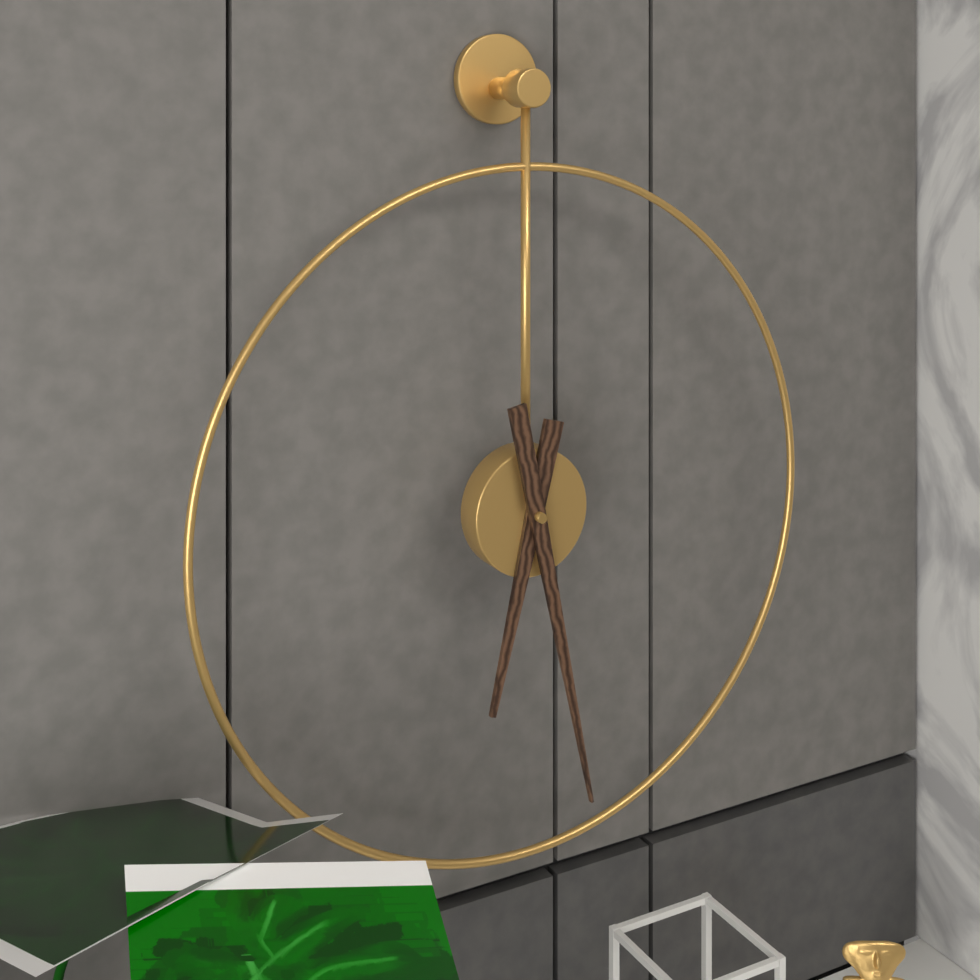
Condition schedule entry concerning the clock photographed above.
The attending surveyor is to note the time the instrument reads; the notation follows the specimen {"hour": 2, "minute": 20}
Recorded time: {"hour": 6, "minute": 28}
